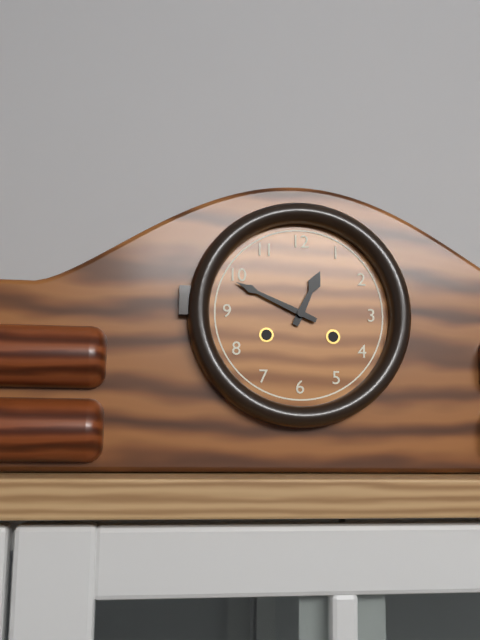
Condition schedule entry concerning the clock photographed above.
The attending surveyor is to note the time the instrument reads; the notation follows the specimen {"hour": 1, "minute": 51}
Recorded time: {"hour": 12, "minute": 49}
